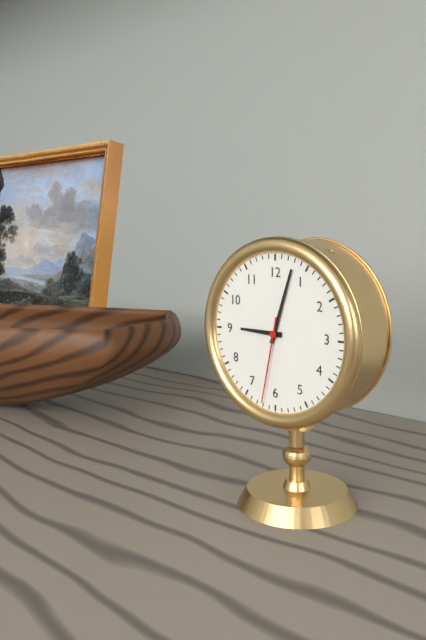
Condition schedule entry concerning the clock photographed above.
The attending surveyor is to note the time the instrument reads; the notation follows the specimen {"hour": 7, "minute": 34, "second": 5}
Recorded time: {"hour": 9, "minute": 3, "second": 32}
